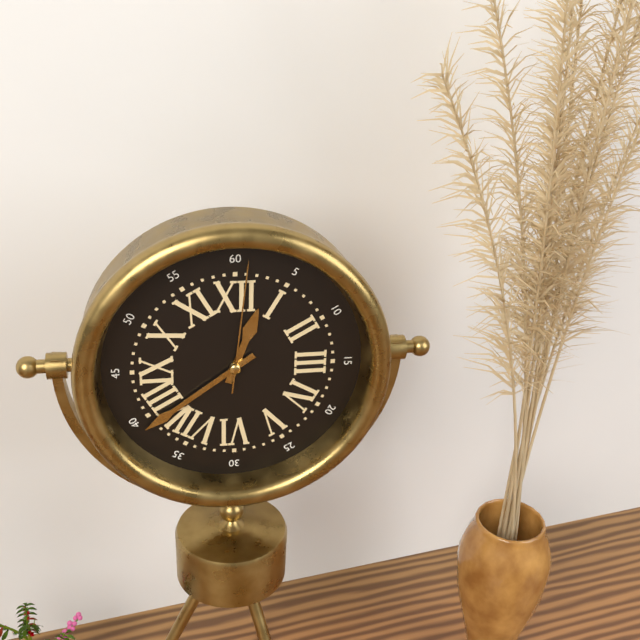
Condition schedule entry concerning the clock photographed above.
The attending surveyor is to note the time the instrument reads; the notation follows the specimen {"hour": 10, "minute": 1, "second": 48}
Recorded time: {"hour": 12, "minute": 39, "second": 1}
